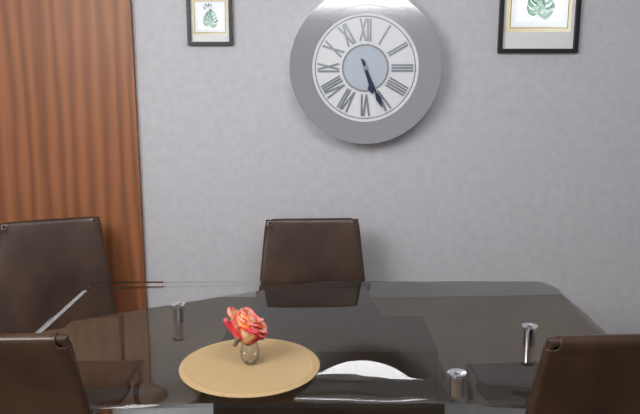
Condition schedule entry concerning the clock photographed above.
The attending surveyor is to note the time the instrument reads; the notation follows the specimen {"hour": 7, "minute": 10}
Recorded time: {"hour": 5, "minute": 26}
